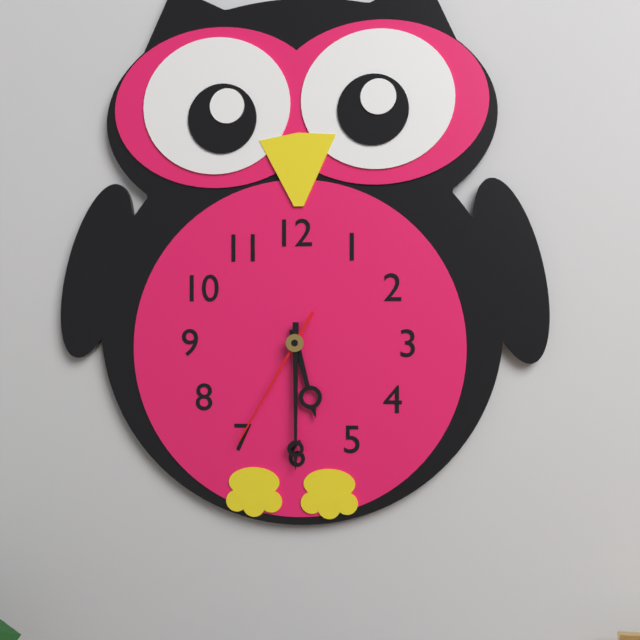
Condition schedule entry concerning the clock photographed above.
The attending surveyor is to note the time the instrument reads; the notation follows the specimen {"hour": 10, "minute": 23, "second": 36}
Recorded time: {"hour": 5, "minute": 30, "second": 35}
